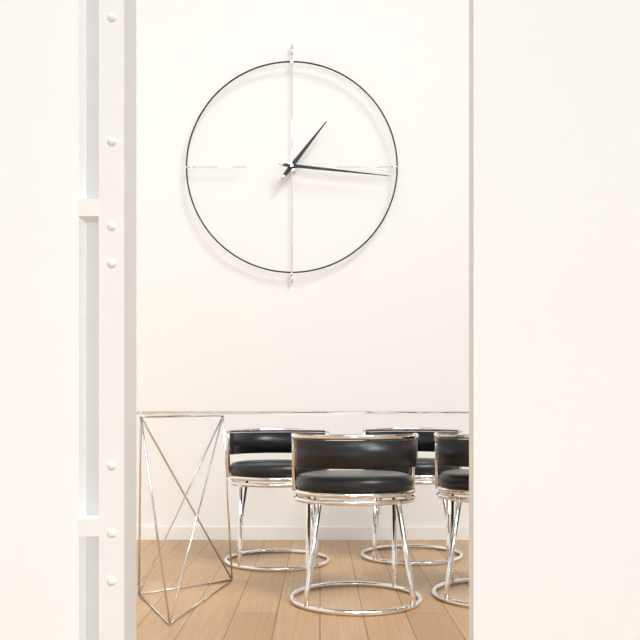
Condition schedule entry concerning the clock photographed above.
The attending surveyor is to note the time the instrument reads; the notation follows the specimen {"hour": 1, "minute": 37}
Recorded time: {"hour": 1, "minute": 16}
